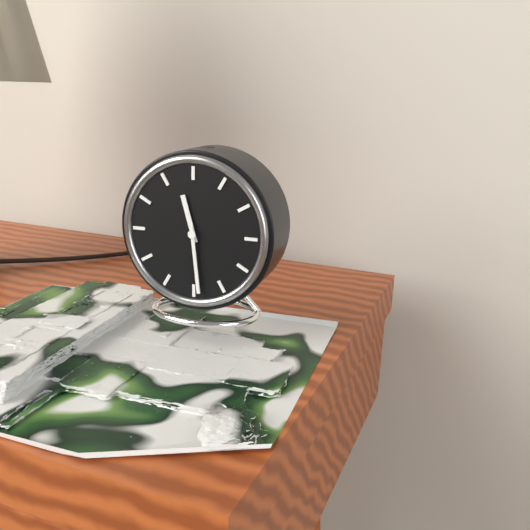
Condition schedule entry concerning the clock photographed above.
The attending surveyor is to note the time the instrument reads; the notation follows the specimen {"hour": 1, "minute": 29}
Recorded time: {"hour": 11, "minute": 29}
